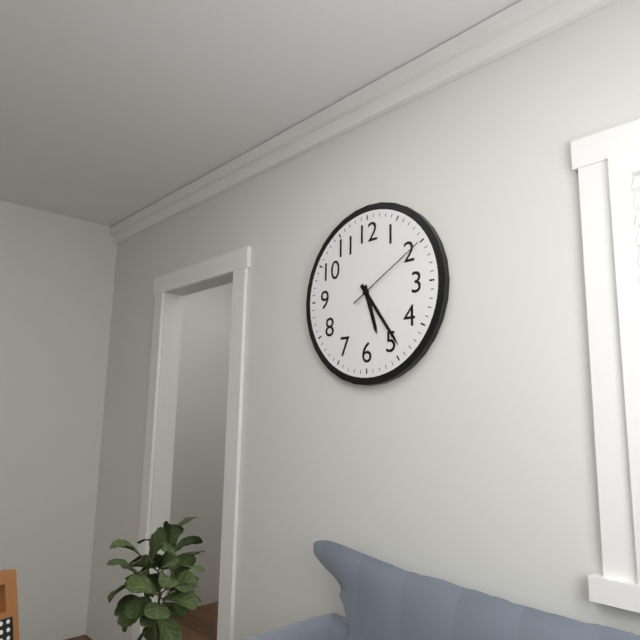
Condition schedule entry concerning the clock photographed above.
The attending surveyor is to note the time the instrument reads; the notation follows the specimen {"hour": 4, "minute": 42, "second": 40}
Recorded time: {"hour": 5, "minute": 24, "second": 10}
